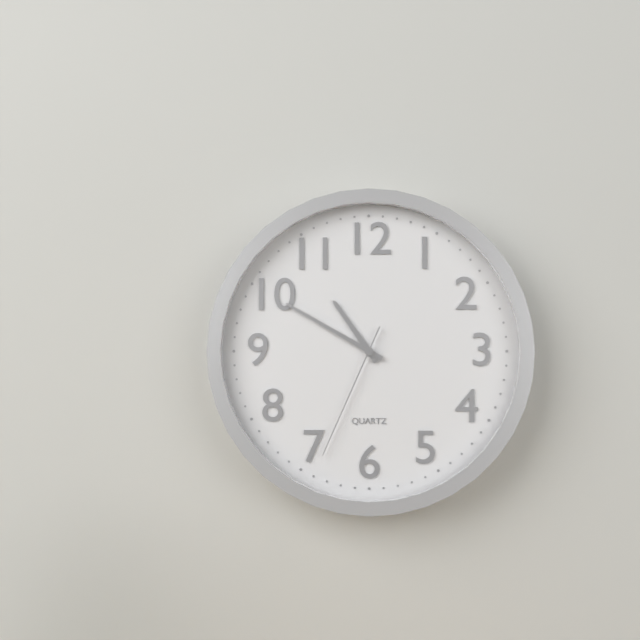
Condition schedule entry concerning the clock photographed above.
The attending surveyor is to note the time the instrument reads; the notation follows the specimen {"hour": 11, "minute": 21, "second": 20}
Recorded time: {"hour": 10, "minute": 50, "second": 34}
